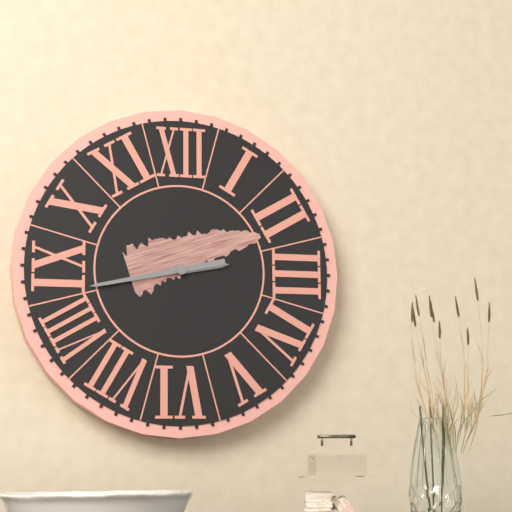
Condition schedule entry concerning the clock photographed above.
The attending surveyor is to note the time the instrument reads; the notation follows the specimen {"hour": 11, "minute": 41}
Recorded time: {"hour": 2, "minute": 43}
